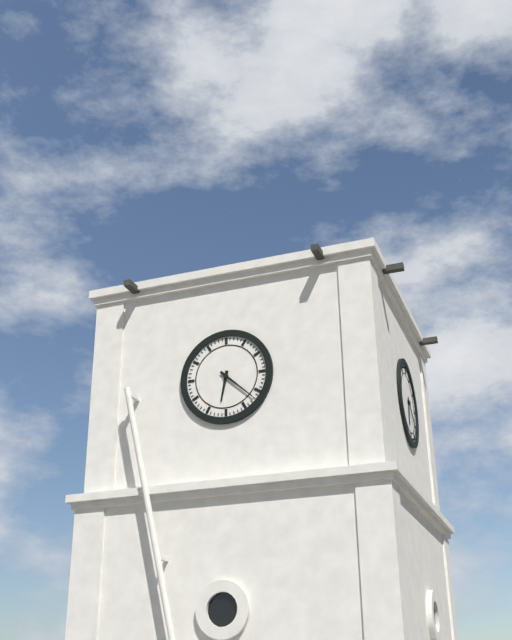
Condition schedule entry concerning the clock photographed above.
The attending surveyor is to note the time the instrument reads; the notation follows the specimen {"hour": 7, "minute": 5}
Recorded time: {"hour": 6, "minute": 22}
